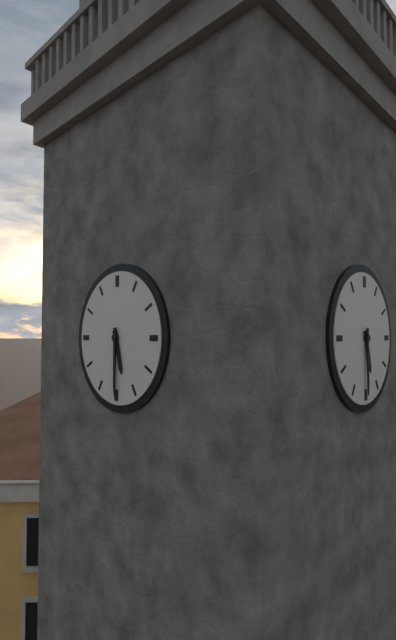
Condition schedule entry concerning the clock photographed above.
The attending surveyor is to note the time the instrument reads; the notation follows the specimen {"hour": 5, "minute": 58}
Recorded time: {"hour": 5, "minute": 30}
